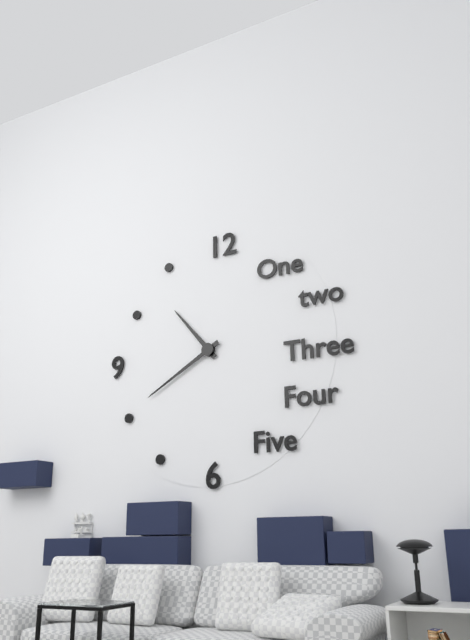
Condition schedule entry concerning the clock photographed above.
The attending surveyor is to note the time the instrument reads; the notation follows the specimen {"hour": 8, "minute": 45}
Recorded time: {"hour": 10, "minute": 40}
